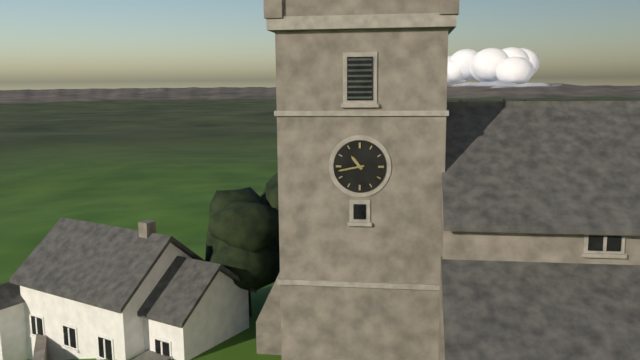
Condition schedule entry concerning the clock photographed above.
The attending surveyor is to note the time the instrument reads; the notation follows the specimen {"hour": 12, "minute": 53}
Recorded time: {"hour": 10, "minute": 43}
